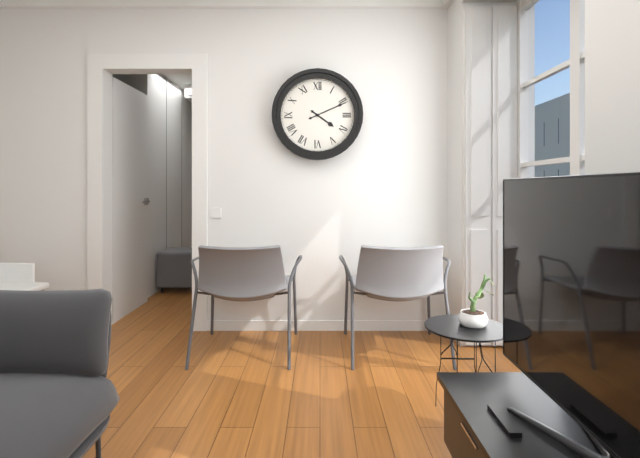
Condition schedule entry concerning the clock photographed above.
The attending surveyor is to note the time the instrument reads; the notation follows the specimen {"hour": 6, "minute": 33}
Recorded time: {"hour": 4, "minute": 11}
